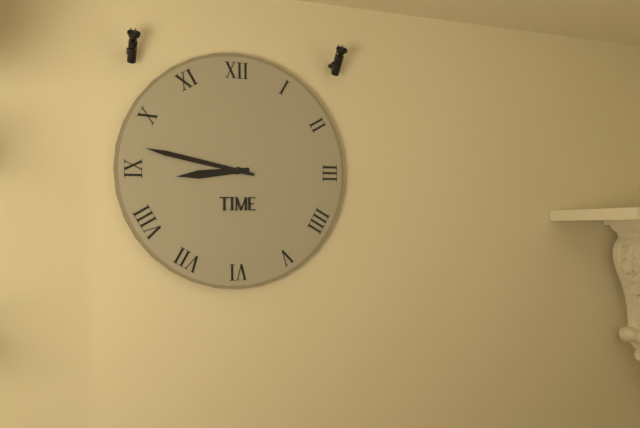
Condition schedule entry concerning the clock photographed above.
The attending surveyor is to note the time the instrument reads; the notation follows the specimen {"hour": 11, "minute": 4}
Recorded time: {"hour": 8, "minute": 47}
